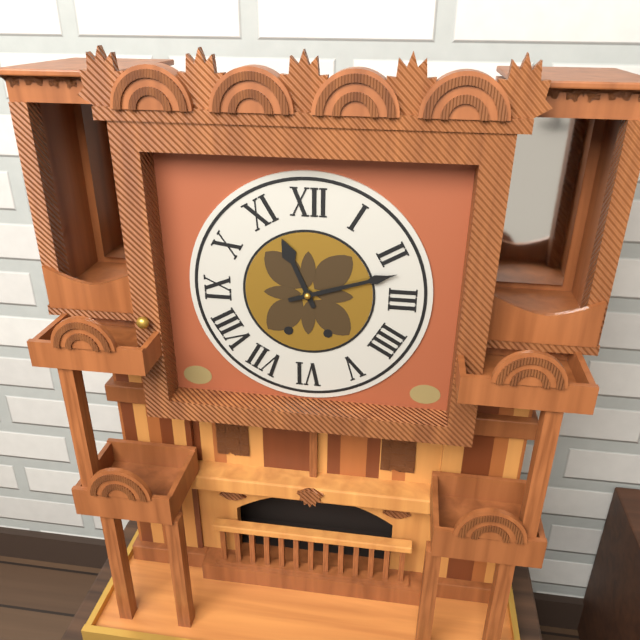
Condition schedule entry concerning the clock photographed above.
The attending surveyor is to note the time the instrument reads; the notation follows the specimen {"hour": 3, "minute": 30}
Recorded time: {"hour": 11, "minute": 12}
